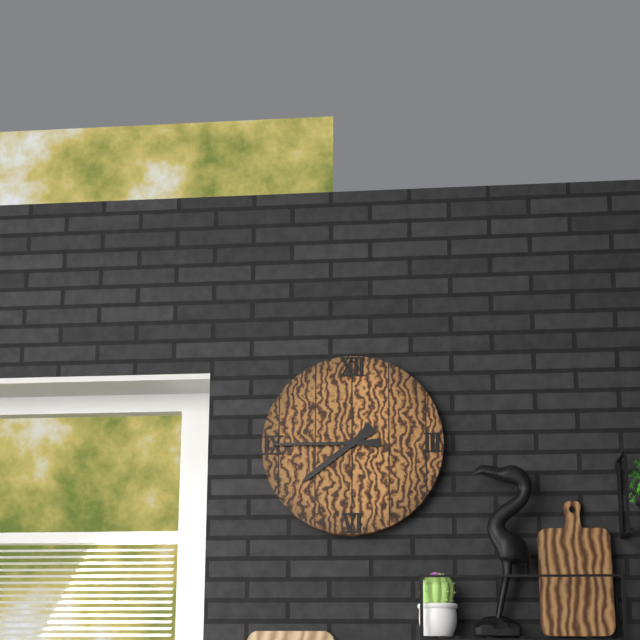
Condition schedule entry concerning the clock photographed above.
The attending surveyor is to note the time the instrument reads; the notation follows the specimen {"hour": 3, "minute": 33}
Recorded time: {"hour": 7, "minute": 45}
